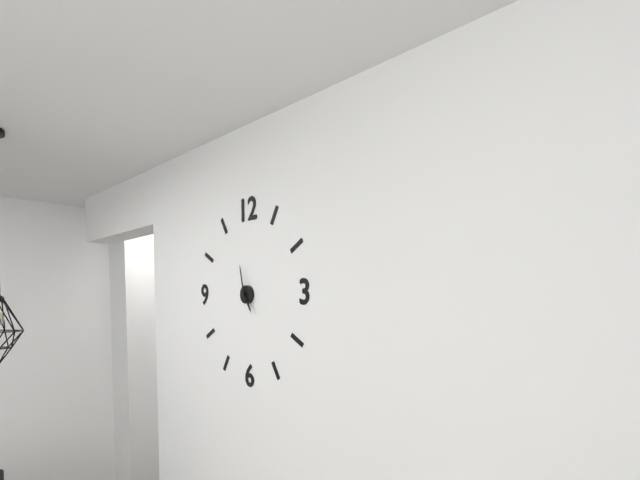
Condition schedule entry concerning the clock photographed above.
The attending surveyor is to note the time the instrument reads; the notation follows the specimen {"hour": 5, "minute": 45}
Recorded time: {"hour": 4, "minute": 58}
